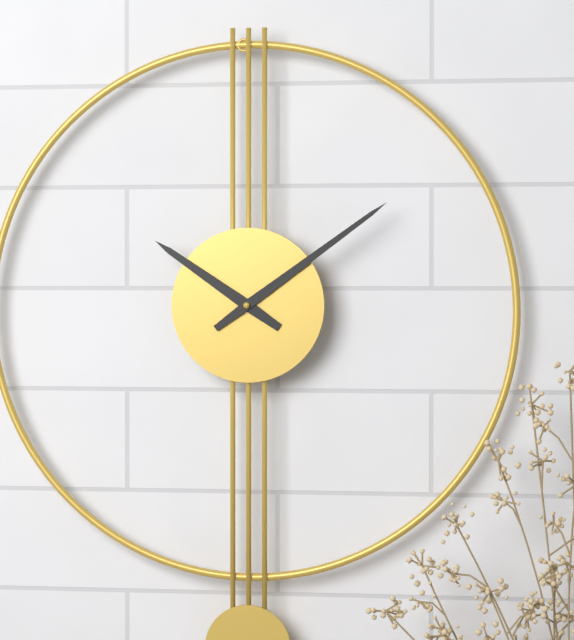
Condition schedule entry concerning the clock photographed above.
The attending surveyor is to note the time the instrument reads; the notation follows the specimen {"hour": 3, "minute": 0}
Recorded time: {"hour": 10, "minute": 9}
